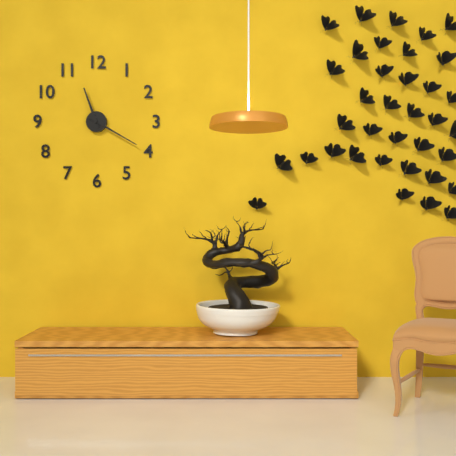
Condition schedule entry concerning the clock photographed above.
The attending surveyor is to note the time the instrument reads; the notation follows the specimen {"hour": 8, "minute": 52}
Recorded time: {"hour": 11, "minute": 20}
